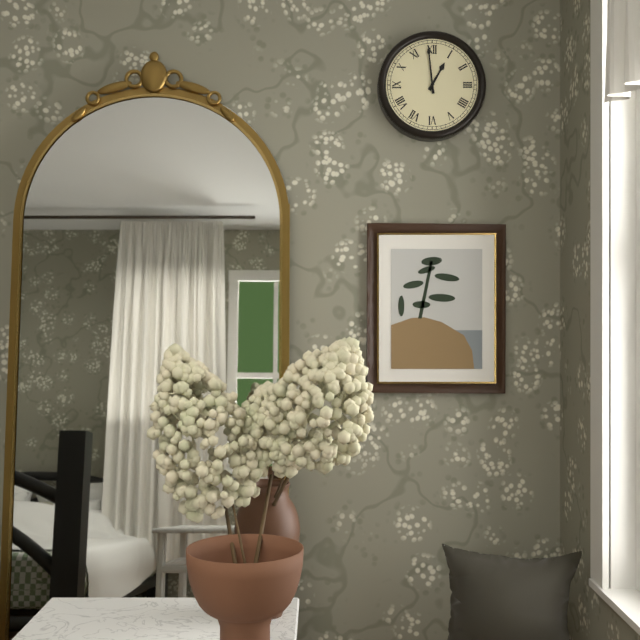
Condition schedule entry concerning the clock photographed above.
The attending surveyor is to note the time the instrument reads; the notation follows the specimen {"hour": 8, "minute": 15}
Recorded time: {"hour": 12, "minute": 59}
